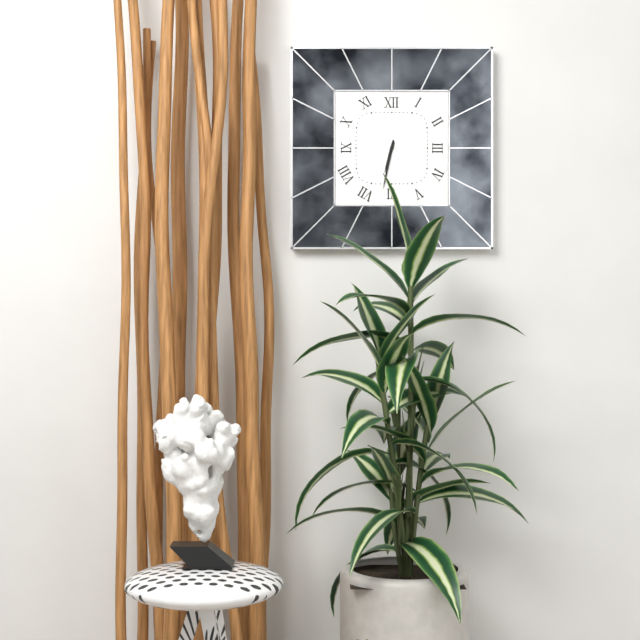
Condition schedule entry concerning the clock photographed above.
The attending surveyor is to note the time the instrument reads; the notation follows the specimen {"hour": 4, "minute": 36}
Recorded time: {"hour": 6, "minute": 32}
